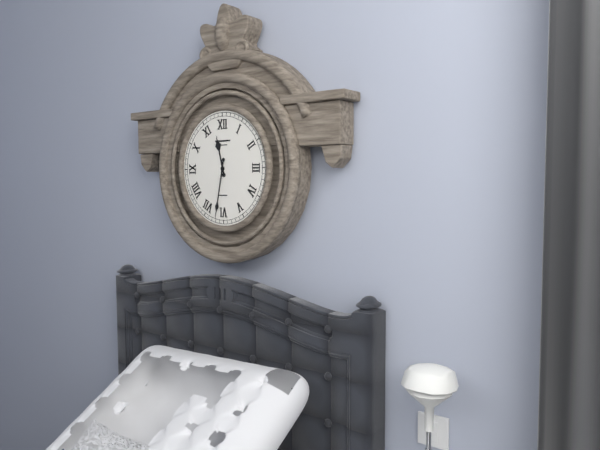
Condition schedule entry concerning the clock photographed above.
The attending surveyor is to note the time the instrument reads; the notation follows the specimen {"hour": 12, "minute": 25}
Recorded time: {"hour": 11, "minute": 32}
